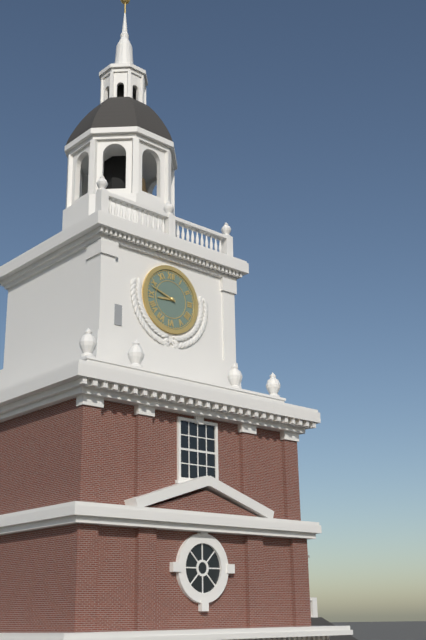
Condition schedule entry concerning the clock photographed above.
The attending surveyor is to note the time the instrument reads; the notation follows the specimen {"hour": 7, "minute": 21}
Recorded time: {"hour": 8, "minute": 48}
